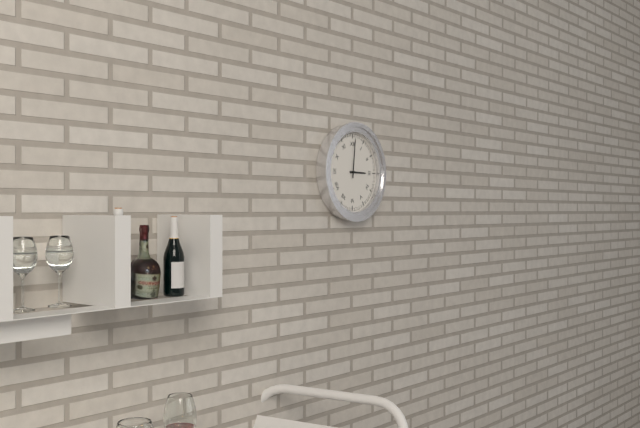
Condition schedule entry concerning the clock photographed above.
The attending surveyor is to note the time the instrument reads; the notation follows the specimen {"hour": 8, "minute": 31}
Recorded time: {"hour": 3, "minute": 1}
